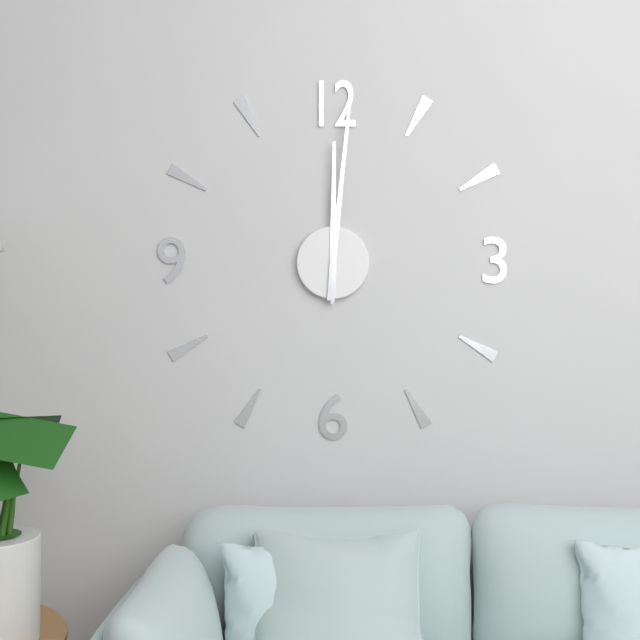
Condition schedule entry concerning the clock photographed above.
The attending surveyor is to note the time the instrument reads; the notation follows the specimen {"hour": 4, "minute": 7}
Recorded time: {"hour": 12, "minute": 1}
